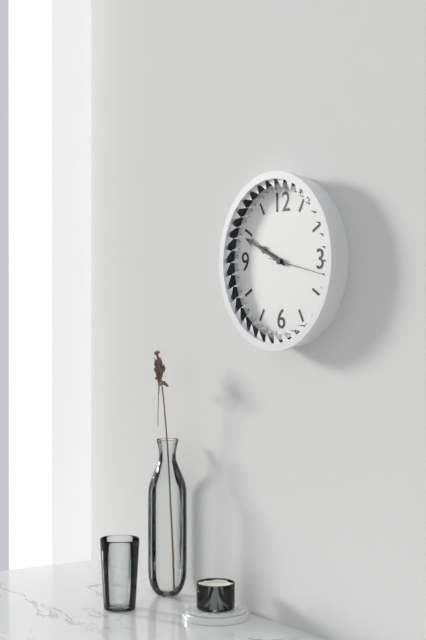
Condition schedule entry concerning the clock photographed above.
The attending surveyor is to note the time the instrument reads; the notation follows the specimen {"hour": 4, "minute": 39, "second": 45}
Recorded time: {"hour": 9, "minute": 49, "second": 17}
